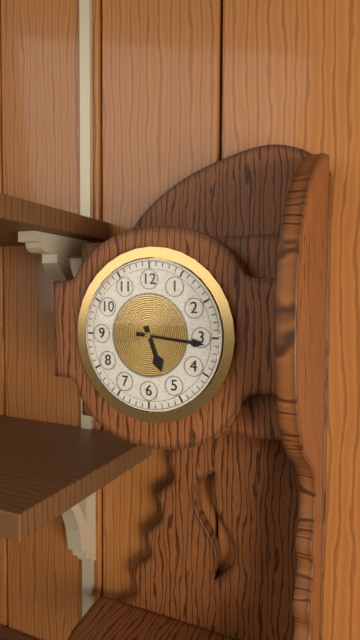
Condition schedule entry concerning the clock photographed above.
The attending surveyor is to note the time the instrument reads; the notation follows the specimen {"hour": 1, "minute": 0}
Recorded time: {"hour": 5, "minute": 16}
